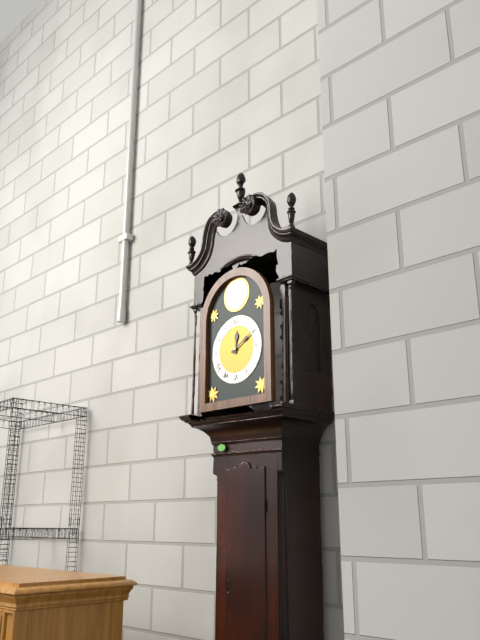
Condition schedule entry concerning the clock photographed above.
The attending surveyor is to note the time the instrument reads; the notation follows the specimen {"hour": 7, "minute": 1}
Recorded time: {"hour": 12, "minute": 10}
